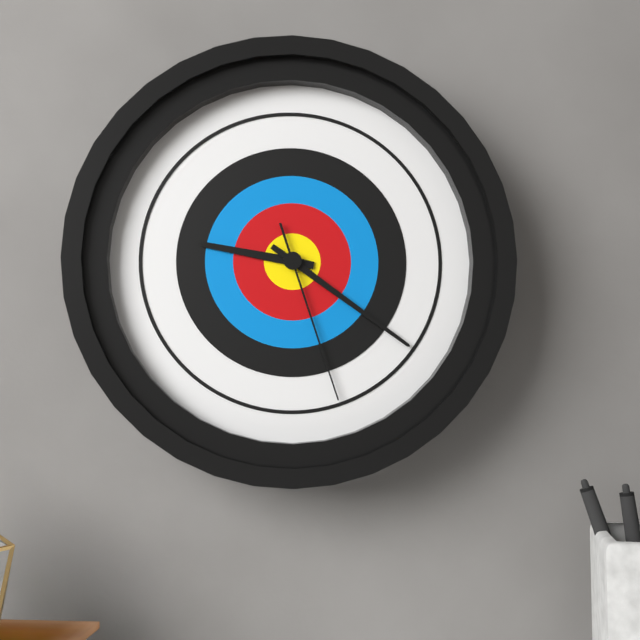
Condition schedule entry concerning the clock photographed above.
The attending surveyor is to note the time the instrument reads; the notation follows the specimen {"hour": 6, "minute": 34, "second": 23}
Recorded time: {"hour": 9, "minute": 21, "second": 27}
